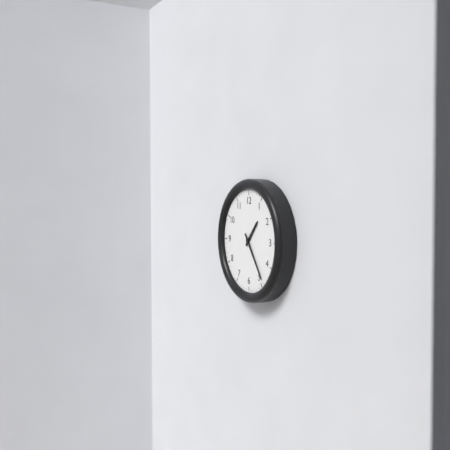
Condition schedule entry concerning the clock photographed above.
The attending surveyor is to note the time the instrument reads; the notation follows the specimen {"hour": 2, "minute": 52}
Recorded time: {"hour": 1, "minute": 24}
